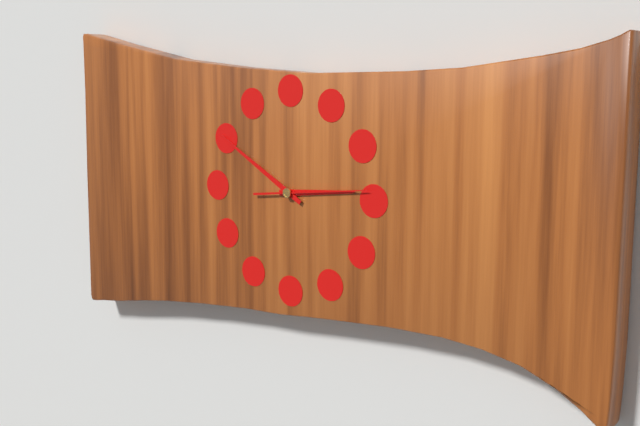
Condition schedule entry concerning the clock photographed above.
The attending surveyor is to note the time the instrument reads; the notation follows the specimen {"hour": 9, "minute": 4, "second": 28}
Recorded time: {"hour": 2, "minute": 50, "second": 14}
